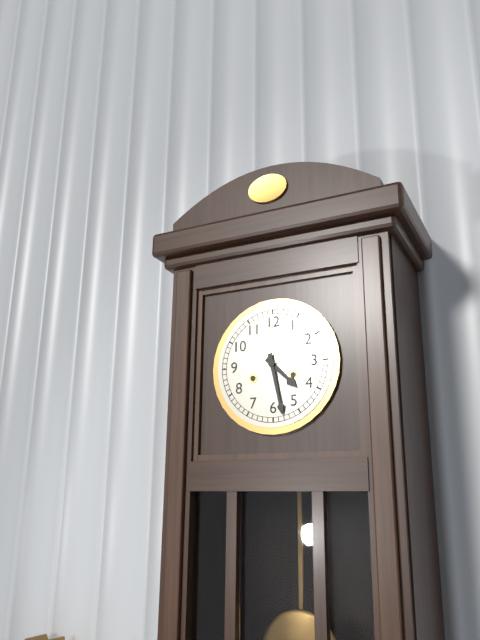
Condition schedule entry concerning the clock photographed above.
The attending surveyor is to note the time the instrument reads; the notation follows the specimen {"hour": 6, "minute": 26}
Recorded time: {"hour": 4, "minute": 28}
